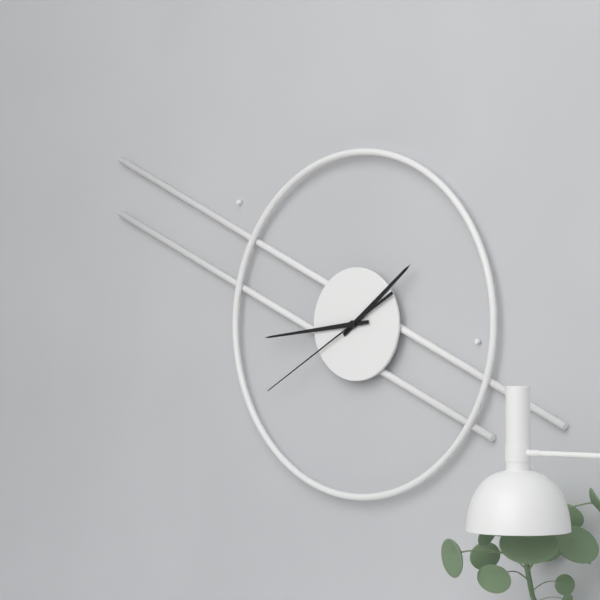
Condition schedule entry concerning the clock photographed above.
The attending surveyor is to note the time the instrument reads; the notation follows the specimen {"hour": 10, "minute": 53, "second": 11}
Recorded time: {"hour": 1, "minute": 44, "second": 40}
